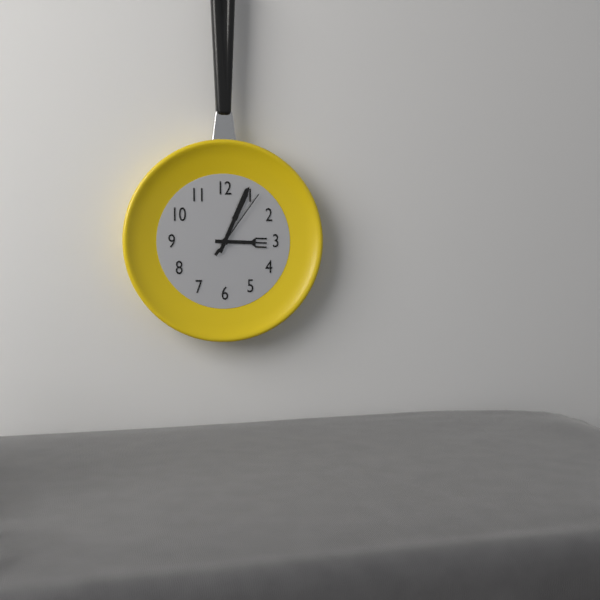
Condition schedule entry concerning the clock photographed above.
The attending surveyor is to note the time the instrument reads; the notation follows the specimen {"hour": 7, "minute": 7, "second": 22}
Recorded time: {"hour": 3, "minute": 4, "second": 6}
